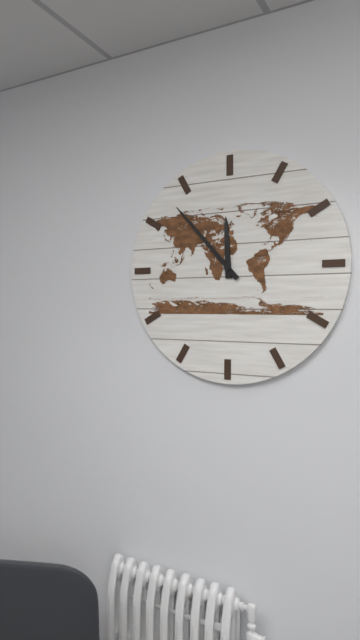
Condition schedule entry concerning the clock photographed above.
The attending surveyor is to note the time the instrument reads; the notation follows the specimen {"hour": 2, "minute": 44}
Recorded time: {"hour": 11, "minute": 53}
